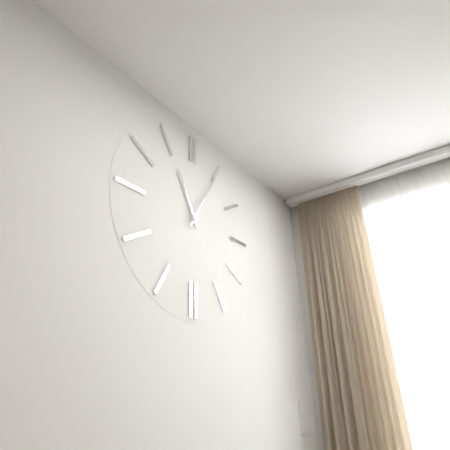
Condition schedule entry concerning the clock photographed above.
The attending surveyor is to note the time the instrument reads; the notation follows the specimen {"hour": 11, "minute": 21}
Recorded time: {"hour": 11, "minute": 5}
